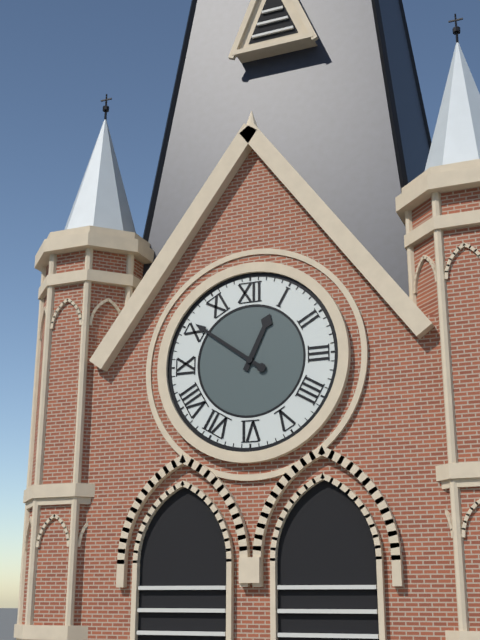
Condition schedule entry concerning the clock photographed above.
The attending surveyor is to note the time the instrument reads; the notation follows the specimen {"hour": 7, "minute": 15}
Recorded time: {"hour": 12, "minute": 51}
